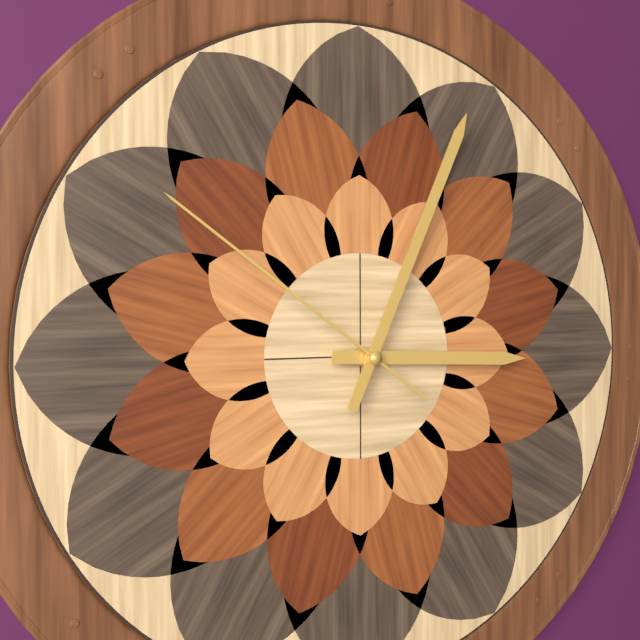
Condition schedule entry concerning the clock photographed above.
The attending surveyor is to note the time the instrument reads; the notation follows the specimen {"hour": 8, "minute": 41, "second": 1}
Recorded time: {"hour": 3, "minute": 4, "second": 51}
